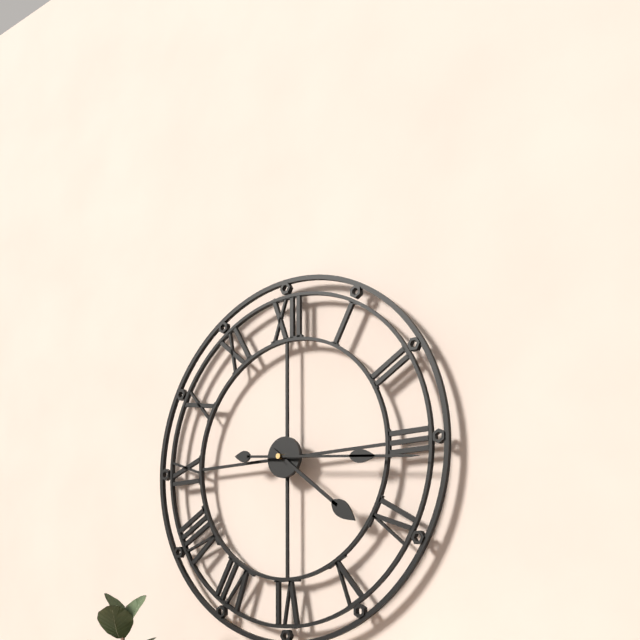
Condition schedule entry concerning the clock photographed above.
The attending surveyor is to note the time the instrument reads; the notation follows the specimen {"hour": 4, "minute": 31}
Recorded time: {"hour": 4, "minute": 16}
